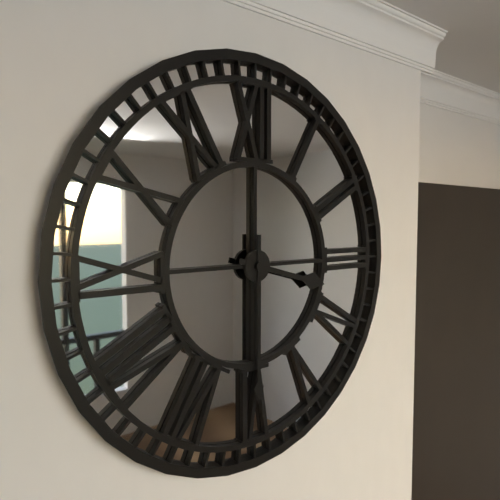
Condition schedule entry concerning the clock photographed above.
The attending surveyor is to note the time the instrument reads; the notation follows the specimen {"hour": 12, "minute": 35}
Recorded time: {"hour": 3, "minute": 30}
